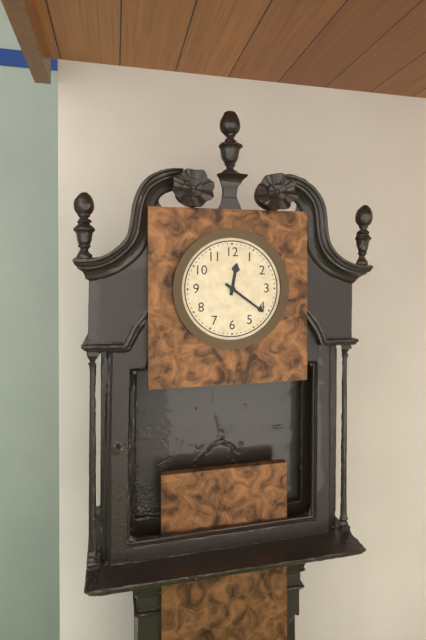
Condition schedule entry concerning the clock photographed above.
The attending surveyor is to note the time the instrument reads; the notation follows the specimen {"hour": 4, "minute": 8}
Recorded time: {"hour": 12, "minute": 21}
